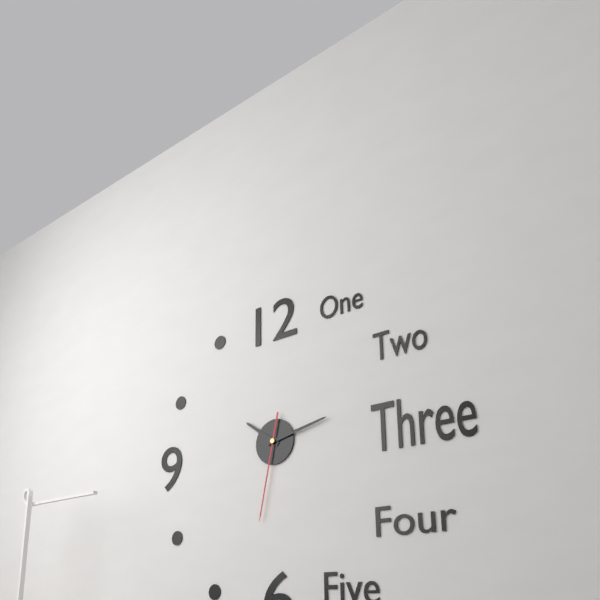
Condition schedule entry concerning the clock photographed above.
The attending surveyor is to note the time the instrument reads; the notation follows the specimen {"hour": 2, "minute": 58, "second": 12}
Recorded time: {"hour": 10, "minute": 13, "second": 32}
